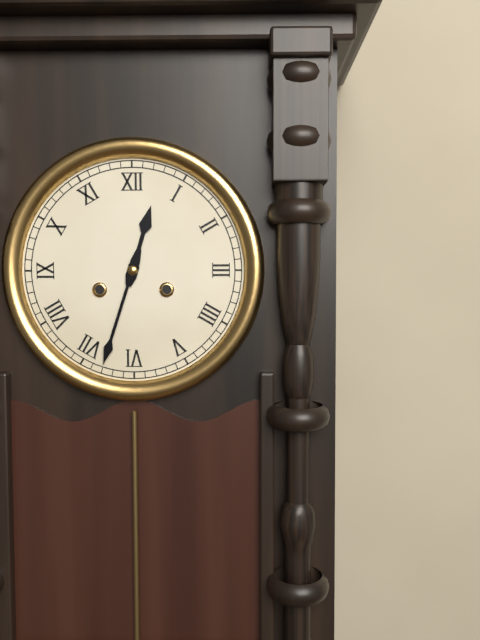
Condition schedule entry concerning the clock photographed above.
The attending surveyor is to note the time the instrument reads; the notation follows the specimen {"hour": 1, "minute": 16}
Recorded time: {"hour": 12, "minute": 33}
